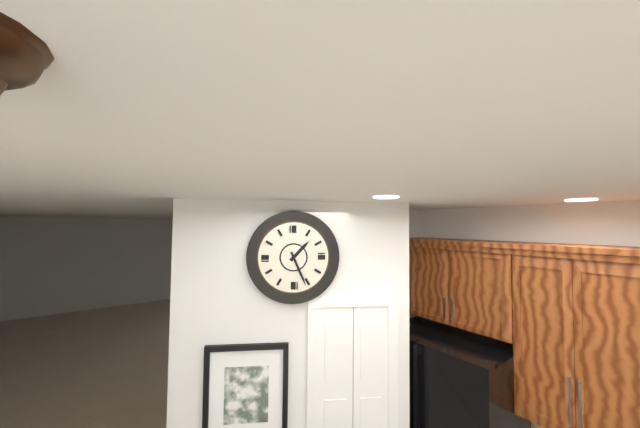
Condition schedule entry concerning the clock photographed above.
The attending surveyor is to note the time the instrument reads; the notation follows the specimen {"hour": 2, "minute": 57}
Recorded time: {"hour": 1, "minute": 26}
